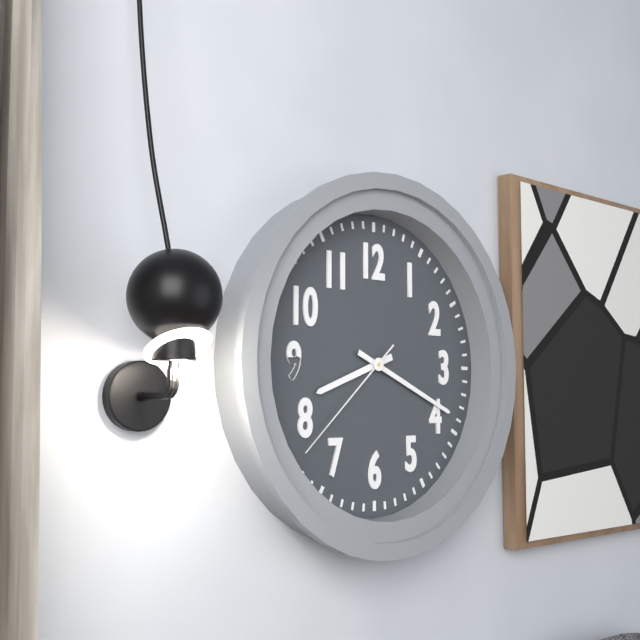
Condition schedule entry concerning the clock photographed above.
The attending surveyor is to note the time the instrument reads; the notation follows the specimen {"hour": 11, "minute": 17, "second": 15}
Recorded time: {"hour": 8, "minute": 19, "second": 38}
